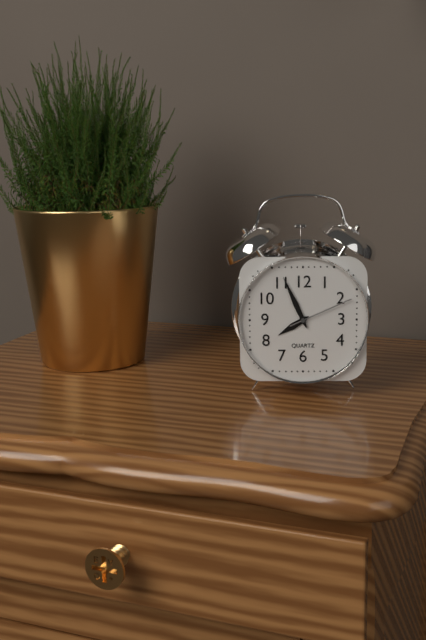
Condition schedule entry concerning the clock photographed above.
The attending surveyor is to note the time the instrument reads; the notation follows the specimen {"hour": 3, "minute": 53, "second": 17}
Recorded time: {"hour": 7, "minute": 56, "second": 11}
